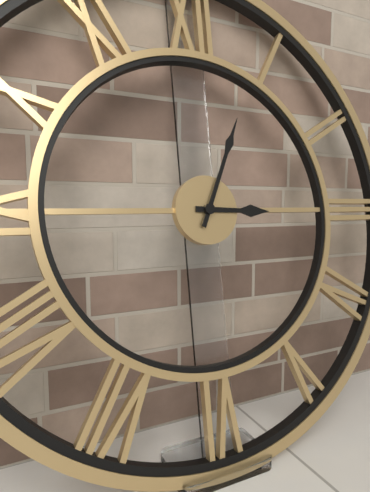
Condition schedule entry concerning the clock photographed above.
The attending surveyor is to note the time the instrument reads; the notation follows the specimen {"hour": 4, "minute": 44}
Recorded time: {"hour": 3, "minute": 4}
